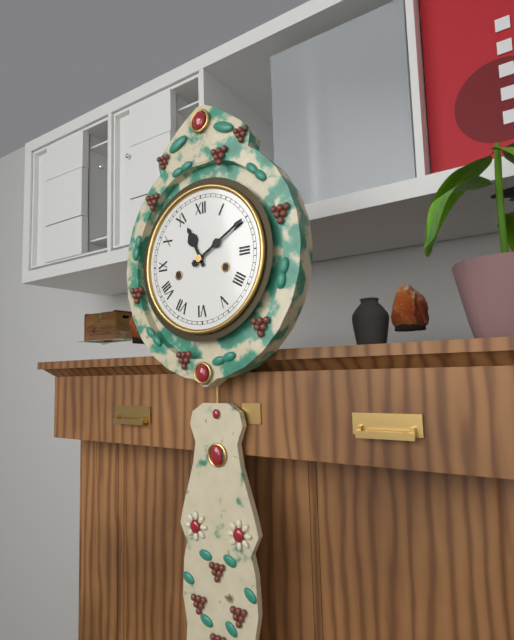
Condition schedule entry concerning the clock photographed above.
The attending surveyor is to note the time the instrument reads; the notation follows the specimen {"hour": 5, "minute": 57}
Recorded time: {"hour": 11, "minute": 10}
